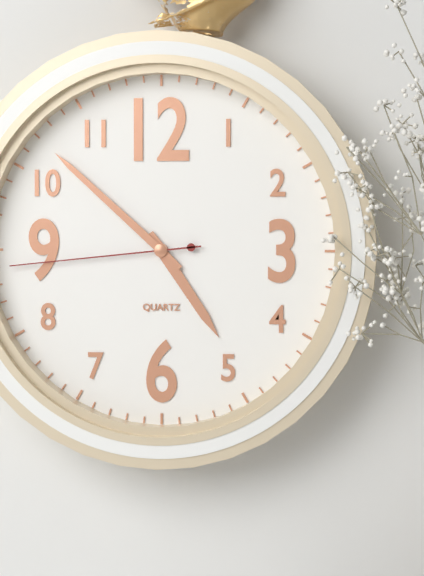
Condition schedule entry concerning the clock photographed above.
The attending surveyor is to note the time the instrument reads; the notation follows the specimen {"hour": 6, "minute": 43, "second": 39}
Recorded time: {"hour": 4, "minute": 52, "second": 44}
